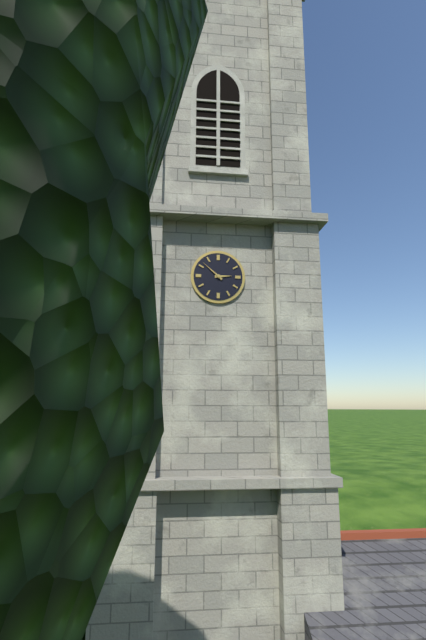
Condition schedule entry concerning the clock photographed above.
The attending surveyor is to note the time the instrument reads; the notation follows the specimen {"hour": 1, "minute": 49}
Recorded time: {"hour": 2, "minute": 52}
